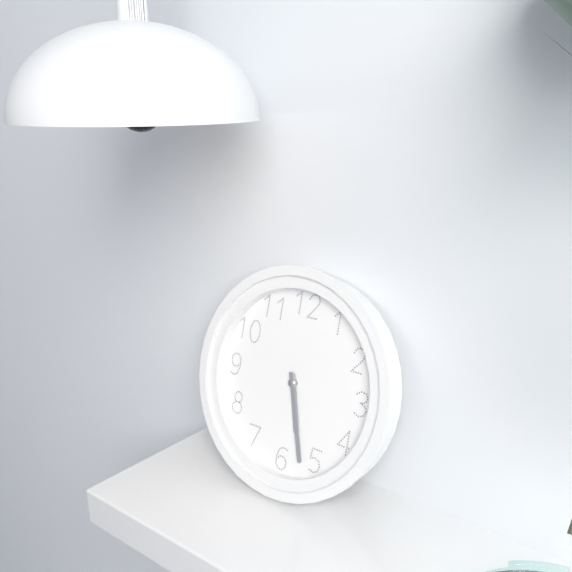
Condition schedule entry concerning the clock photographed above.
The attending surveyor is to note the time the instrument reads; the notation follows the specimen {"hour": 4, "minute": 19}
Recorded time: {"hour": 5, "minute": 27}
